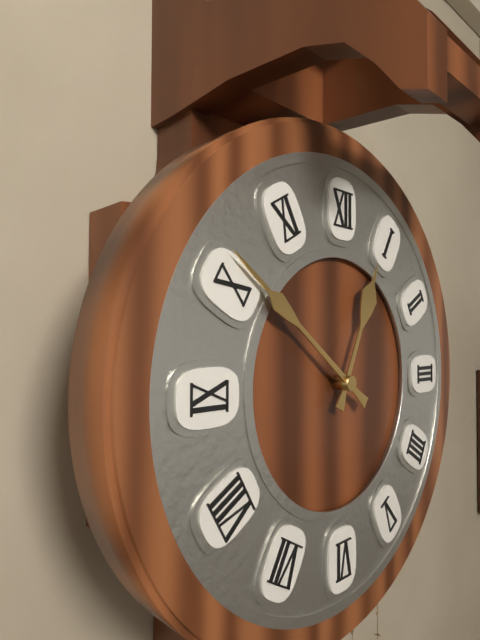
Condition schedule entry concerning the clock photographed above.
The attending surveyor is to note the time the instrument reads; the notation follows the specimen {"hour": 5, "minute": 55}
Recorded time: {"hour": 12, "minute": 51}
